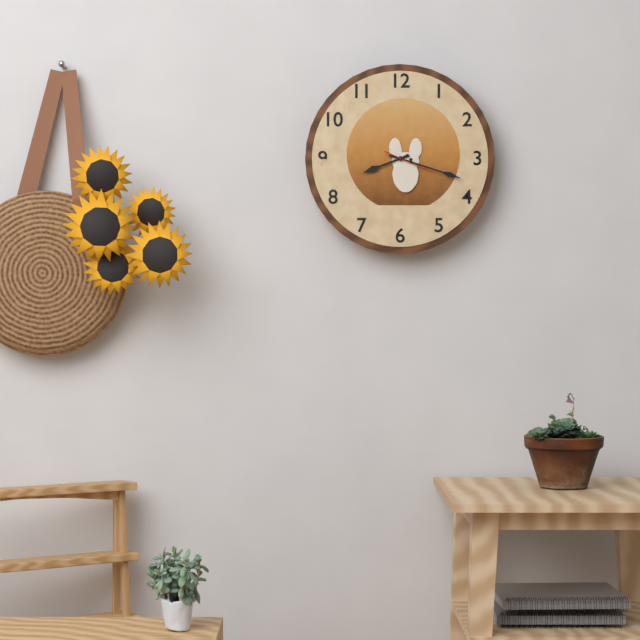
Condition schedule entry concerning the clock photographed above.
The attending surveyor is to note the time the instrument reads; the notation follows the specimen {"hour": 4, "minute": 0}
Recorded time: {"hour": 8, "minute": 18}
